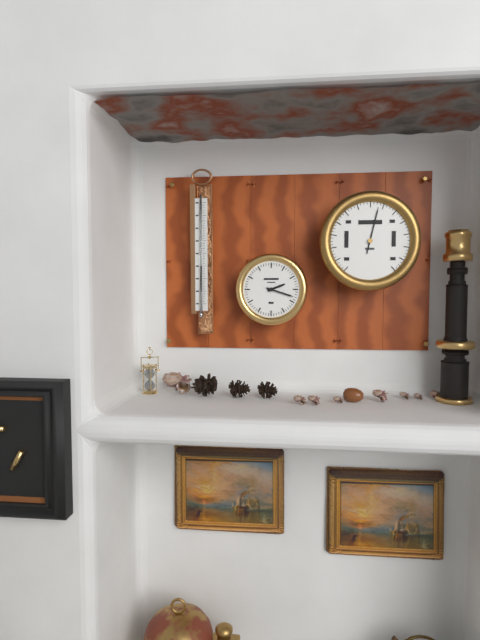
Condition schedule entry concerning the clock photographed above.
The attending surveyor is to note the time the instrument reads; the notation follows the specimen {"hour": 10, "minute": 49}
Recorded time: {"hour": 2, "minute": 18}
